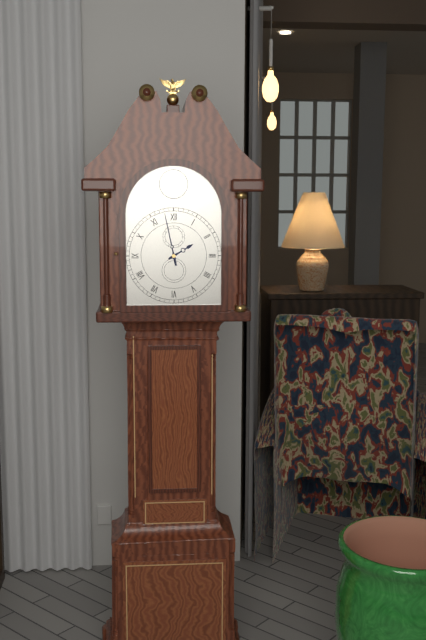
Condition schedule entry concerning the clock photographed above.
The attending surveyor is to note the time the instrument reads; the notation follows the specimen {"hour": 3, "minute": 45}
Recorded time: {"hour": 1, "minute": 58}
